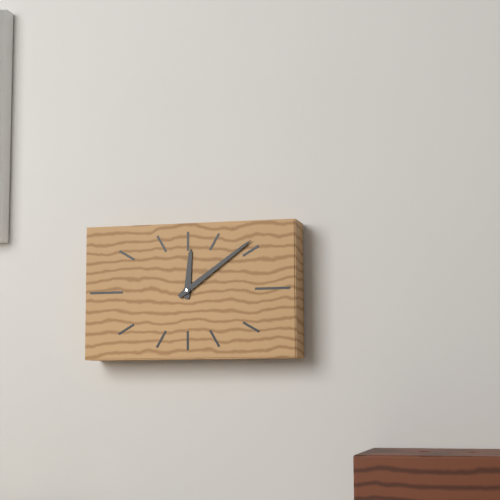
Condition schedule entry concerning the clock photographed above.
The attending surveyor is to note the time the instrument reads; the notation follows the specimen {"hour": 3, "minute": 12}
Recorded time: {"hour": 12, "minute": 9}
